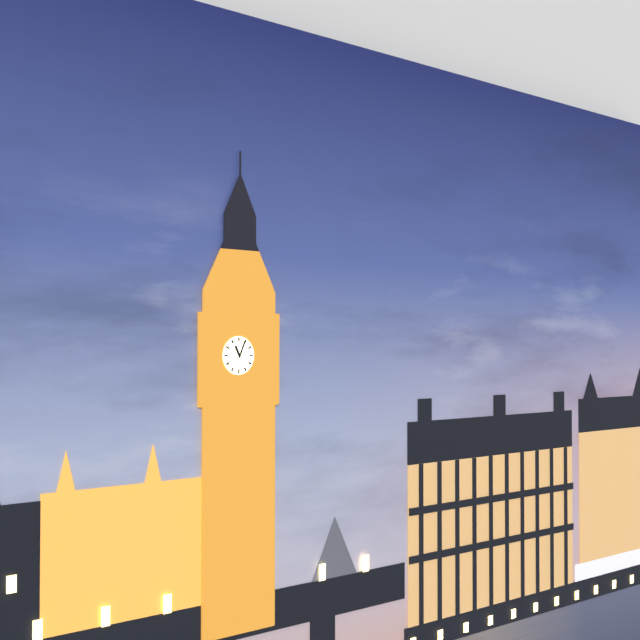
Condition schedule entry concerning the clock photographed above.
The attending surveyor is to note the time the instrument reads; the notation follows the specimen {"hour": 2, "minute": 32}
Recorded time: {"hour": 11, "minute": 4}
